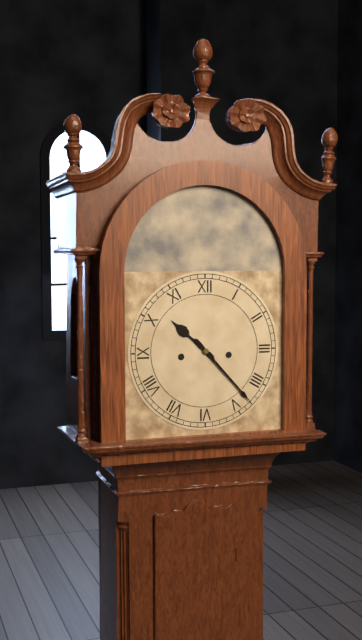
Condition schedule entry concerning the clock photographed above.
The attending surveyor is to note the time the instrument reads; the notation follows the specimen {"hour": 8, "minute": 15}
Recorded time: {"hour": 10, "minute": 23}
